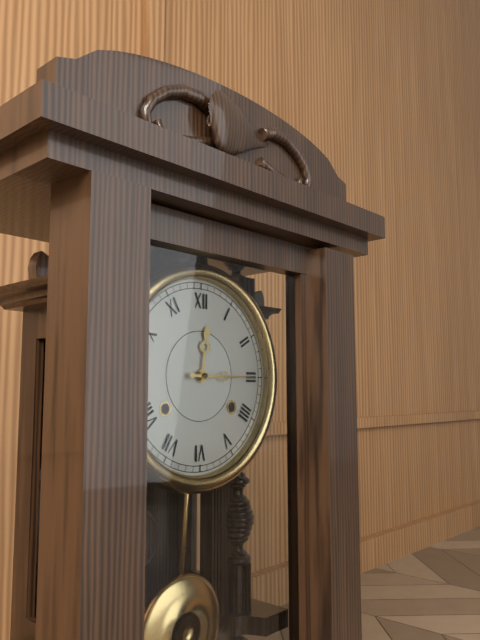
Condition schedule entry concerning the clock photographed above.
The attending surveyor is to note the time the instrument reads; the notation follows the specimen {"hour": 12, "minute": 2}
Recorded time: {"hour": 12, "minute": 15}
